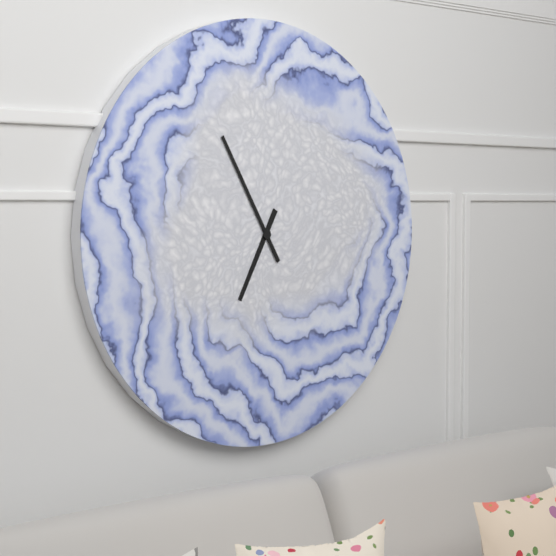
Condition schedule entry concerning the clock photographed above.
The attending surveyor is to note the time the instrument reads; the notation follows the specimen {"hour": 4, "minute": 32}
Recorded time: {"hour": 6, "minute": 55}
